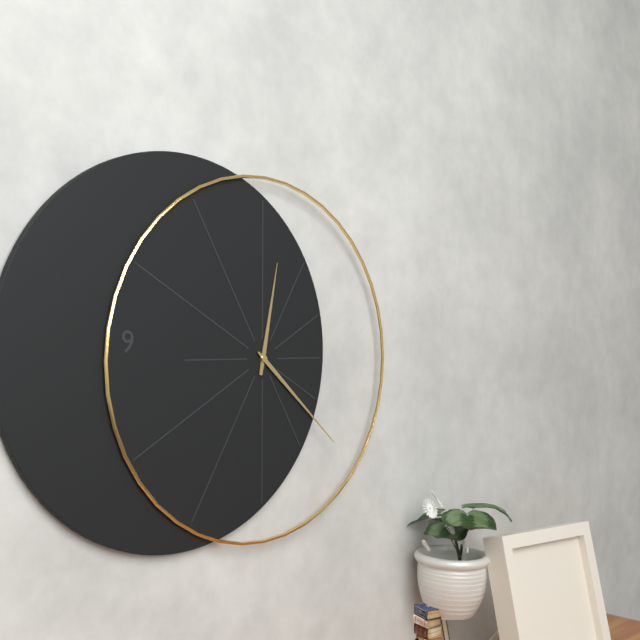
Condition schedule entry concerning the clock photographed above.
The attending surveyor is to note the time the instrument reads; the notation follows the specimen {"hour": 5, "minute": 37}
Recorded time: {"hour": 12, "minute": 22}
